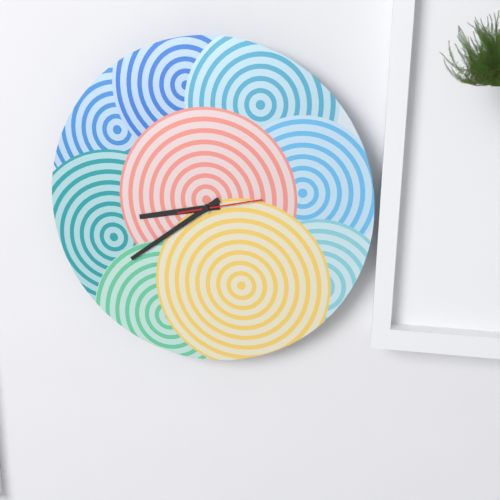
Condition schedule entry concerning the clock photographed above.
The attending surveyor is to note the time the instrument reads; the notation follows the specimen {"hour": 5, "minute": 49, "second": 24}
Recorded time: {"hour": 8, "minute": 39, "second": 13}
